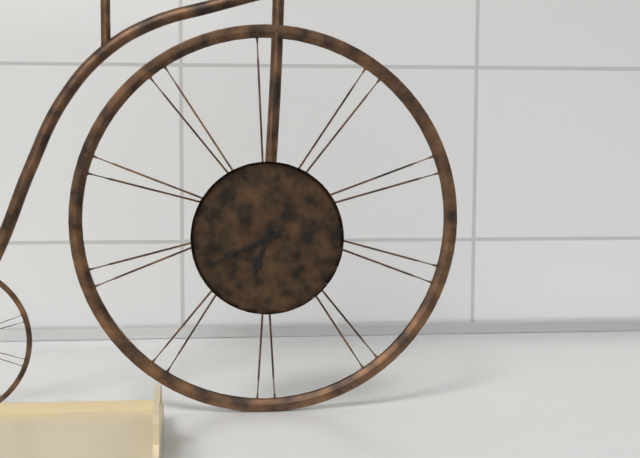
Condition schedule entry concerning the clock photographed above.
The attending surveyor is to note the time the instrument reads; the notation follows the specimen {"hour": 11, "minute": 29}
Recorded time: {"hour": 6, "minute": 41}
